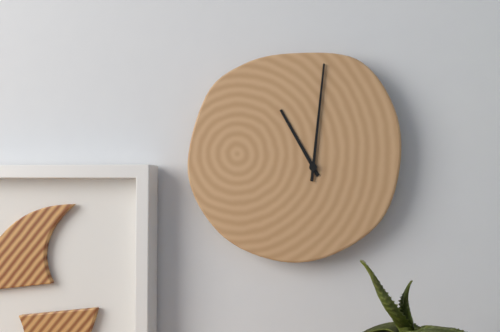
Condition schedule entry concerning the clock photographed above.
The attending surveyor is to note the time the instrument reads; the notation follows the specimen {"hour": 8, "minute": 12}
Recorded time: {"hour": 11, "minute": 1}
